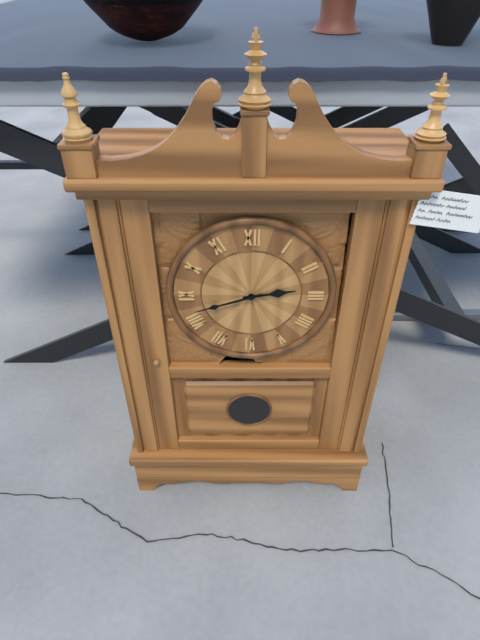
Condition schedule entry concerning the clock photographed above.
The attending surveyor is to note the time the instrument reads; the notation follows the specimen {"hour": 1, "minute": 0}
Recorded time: {"hour": 2, "minute": 42}
